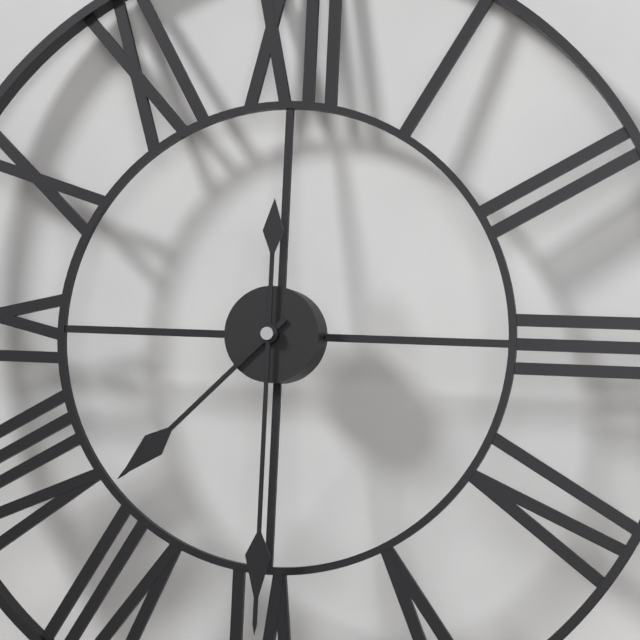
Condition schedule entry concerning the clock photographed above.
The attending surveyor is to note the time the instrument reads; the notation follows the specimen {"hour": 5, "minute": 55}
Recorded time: {"hour": 7, "minute": 30}
